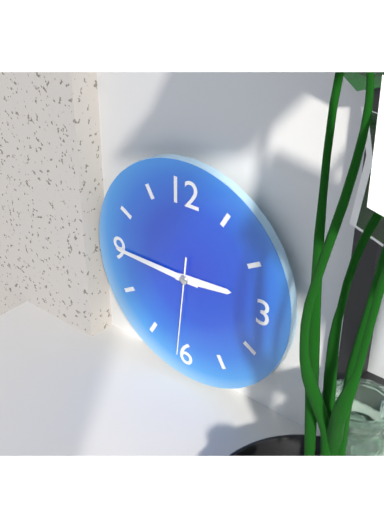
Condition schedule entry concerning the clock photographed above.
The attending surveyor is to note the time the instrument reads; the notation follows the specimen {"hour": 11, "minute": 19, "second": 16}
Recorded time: {"hour": 2, "minute": 45, "second": 31}
